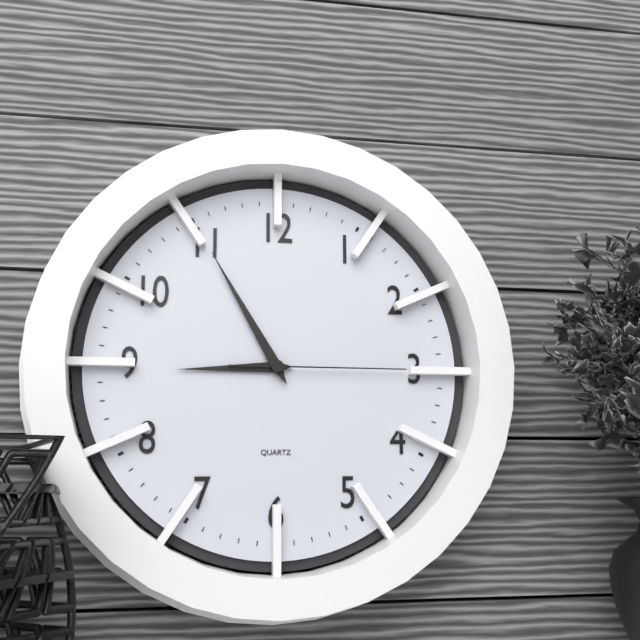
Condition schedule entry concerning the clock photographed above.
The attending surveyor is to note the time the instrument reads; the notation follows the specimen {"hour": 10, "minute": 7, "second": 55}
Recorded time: {"hour": 8, "minute": 55, "second": 15}
